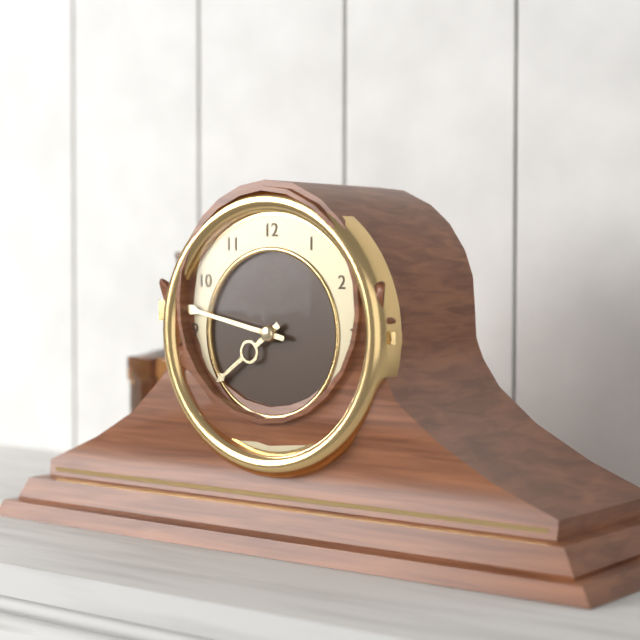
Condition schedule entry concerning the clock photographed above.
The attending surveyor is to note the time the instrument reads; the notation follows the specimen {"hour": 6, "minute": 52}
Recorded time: {"hour": 7, "minute": 47}
